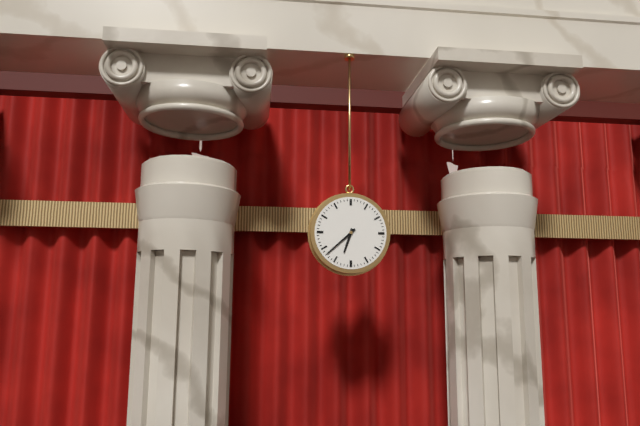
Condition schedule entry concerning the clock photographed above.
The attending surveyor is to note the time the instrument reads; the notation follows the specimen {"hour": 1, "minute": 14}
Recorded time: {"hour": 6, "minute": 38}
